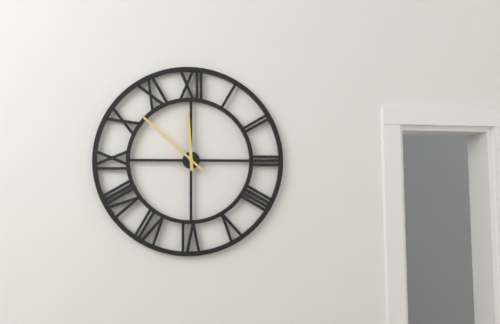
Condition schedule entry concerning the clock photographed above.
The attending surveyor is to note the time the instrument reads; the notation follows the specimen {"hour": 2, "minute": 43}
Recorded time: {"hour": 11, "minute": 52}
